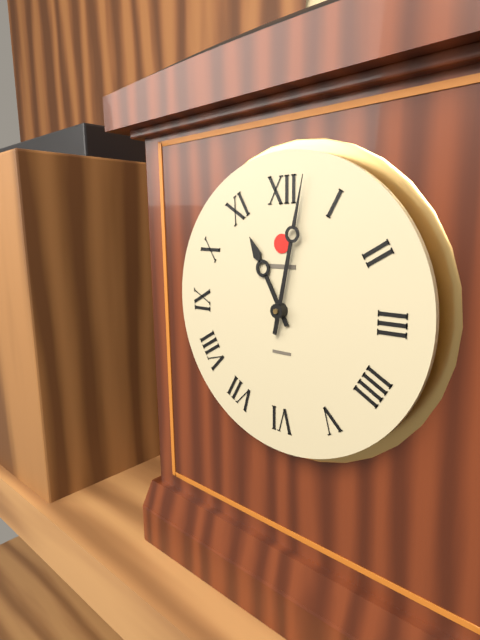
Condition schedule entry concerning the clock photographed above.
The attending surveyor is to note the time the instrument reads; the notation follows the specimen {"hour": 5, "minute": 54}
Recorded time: {"hour": 11, "minute": 2}
